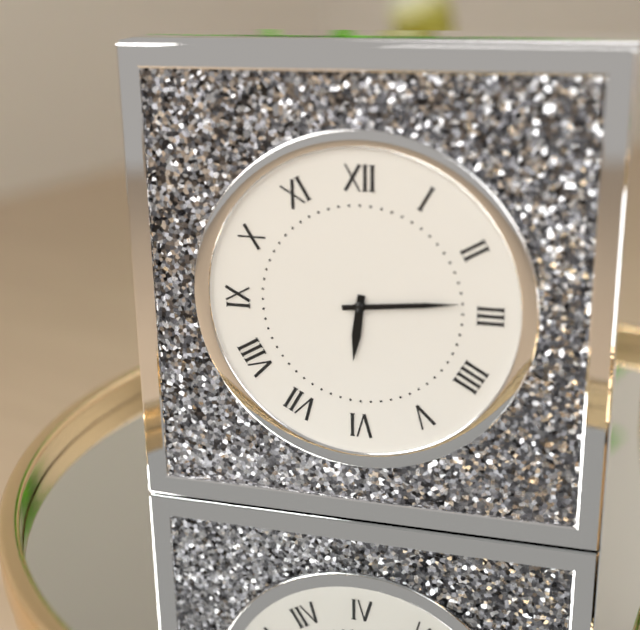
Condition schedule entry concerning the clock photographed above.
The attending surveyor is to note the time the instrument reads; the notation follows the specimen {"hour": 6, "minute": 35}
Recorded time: {"hour": 6, "minute": 14}
